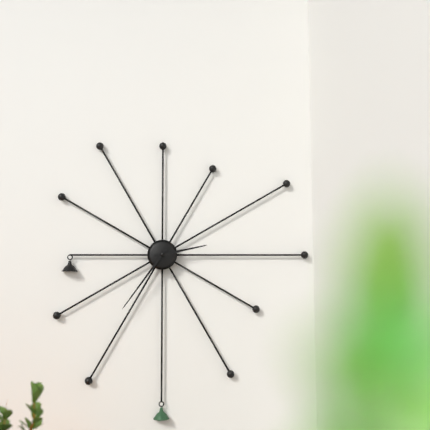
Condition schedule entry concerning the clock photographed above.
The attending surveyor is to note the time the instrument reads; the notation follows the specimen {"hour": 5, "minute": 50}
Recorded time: {"hour": 2, "minute": 36}
